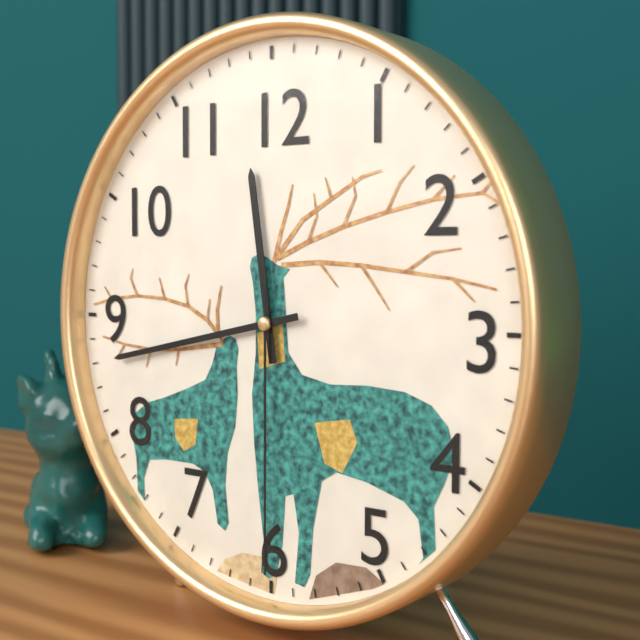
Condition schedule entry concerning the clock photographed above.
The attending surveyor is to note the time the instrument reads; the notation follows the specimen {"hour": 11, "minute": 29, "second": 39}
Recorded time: {"hour": 11, "minute": 43, "second": 30}
